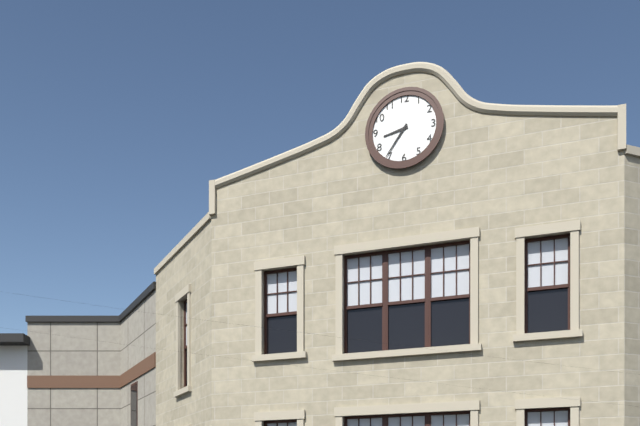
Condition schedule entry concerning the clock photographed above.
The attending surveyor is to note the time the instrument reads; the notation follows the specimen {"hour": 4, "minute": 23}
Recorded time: {"hour": 8, "minute": 36}
